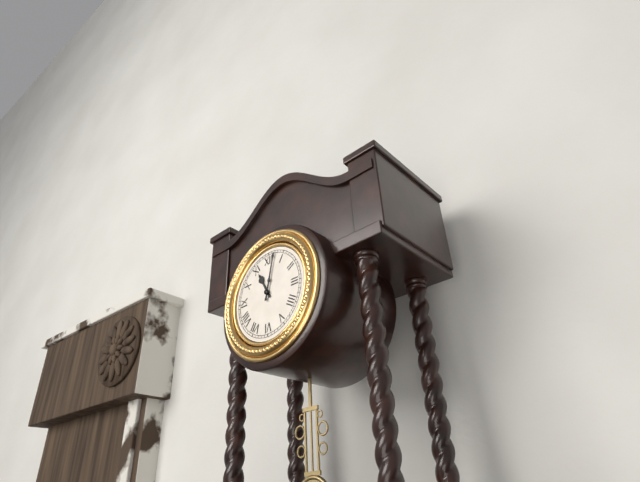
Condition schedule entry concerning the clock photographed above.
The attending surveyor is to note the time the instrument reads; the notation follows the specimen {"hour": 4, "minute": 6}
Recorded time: {"hour": 11, "minute": 2}
